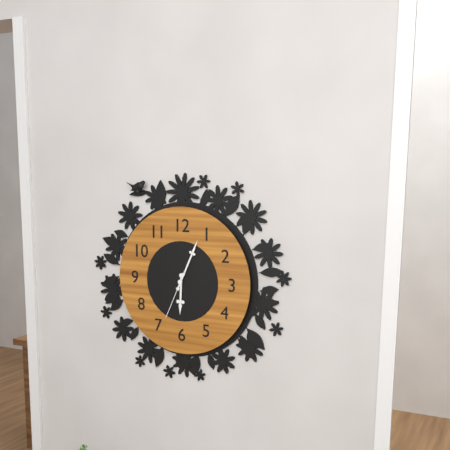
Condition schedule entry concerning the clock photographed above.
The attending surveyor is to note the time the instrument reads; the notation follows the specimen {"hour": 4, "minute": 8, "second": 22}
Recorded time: {"hour": 6, "minute": 4, "second": 34}
